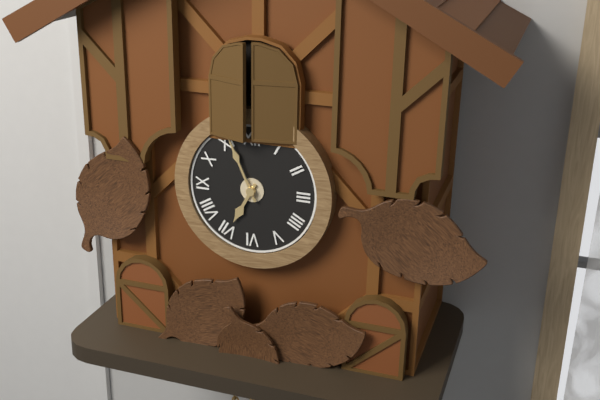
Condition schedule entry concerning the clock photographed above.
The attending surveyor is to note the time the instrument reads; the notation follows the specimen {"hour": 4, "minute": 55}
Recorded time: {"hour": 6, "minute": 56}
